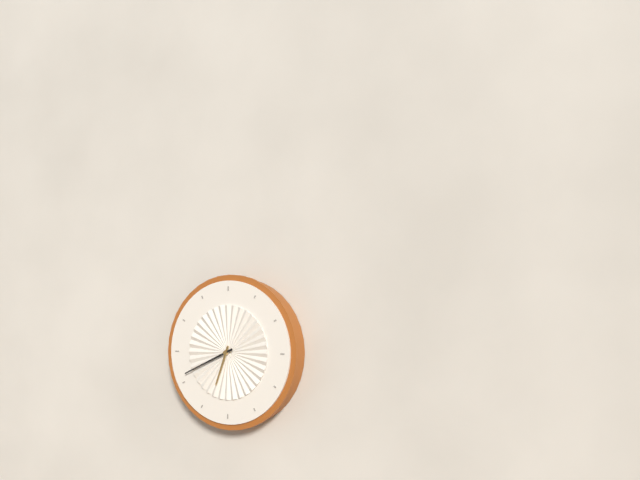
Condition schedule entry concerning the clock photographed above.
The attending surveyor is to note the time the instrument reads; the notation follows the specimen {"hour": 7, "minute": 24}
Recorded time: {"hour": 6, "minute": 41}
